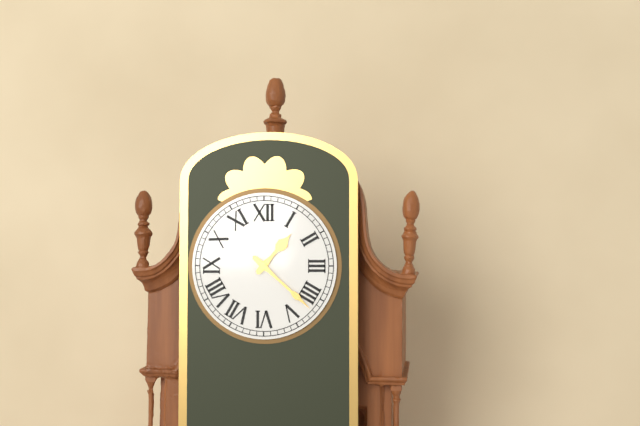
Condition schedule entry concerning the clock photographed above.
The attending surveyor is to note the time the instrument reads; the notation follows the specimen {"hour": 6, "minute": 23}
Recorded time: {"hour": 1, "minute": 22}
